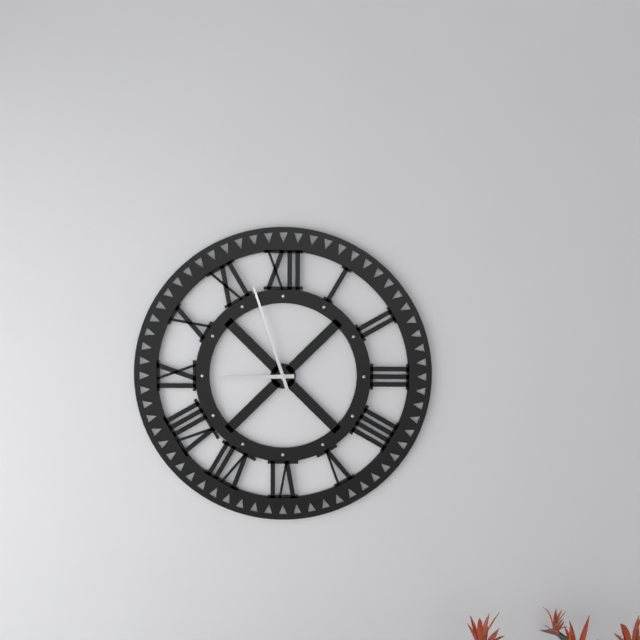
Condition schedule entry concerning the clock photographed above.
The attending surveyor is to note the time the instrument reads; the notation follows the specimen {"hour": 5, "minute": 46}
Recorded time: {"hour": 8, "minute": 57}
